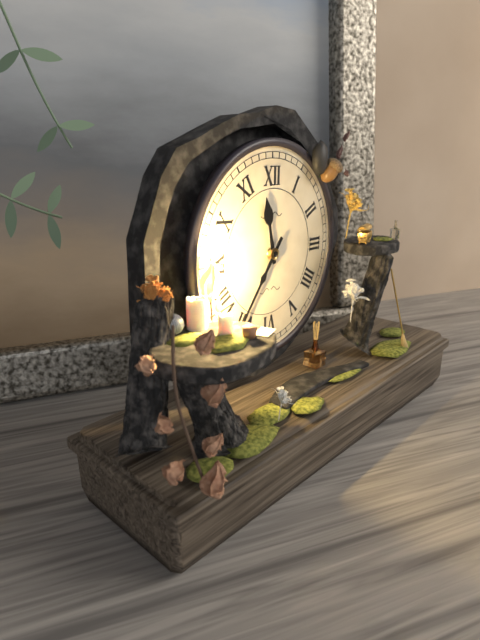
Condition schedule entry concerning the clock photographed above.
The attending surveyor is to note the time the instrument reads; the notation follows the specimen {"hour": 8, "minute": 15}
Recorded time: {"hour": 11, "minute": 36}
